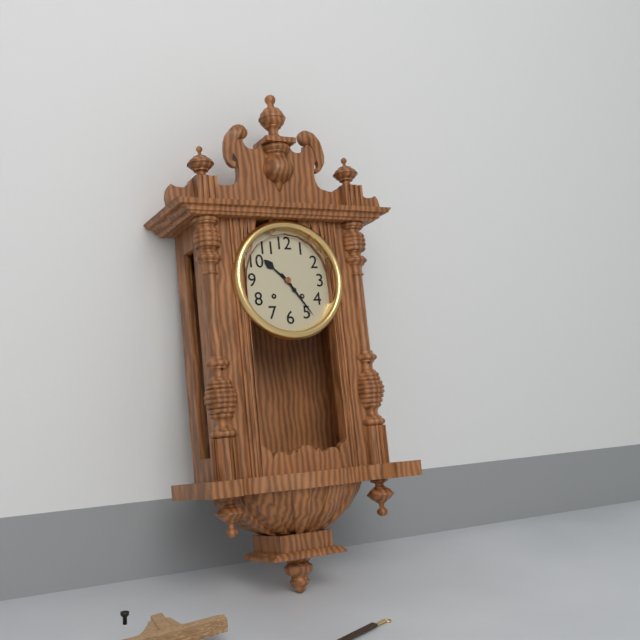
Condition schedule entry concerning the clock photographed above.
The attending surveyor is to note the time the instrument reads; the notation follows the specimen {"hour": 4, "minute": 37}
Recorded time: {"hour": 10, "minute": 24}
